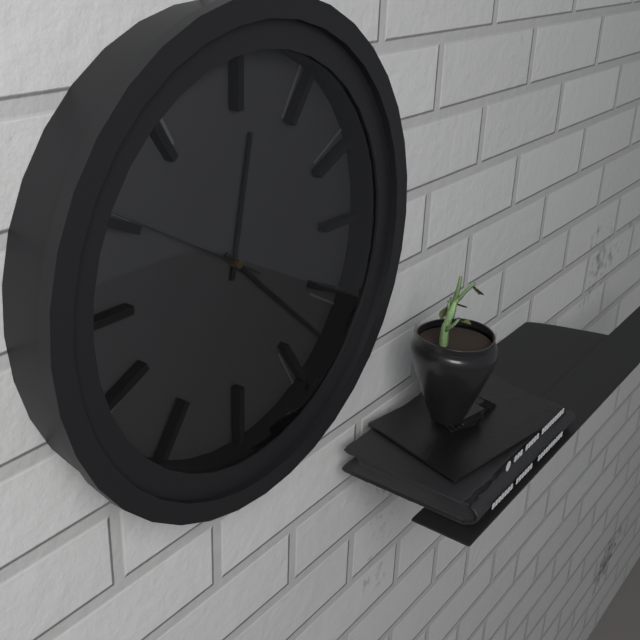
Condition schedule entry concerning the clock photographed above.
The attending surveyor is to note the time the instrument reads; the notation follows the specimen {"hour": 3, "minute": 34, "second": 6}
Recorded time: {"hour": 12, "minute": 22, "second": 50}
